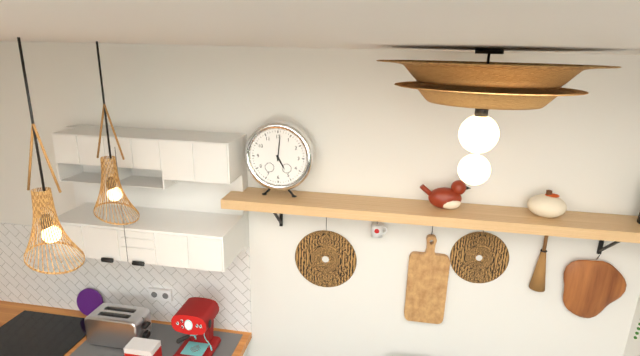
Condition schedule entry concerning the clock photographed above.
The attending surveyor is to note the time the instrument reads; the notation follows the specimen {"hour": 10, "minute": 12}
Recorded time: {"hour": 5, "minute": 1}
